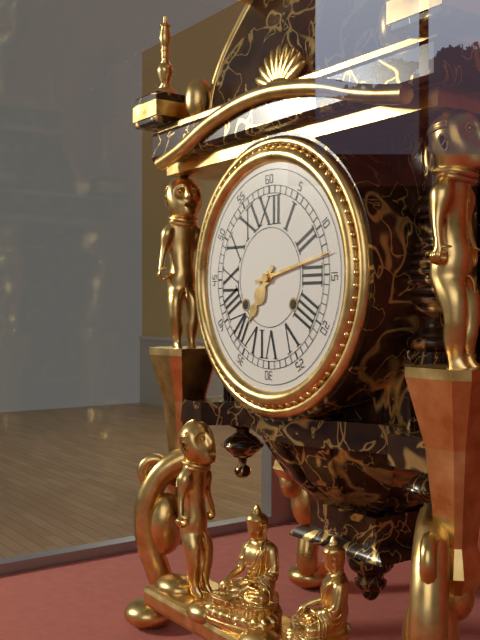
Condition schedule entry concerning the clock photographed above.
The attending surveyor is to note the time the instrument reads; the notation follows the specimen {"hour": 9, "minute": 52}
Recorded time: {"hour": 7, "minute": 13}
